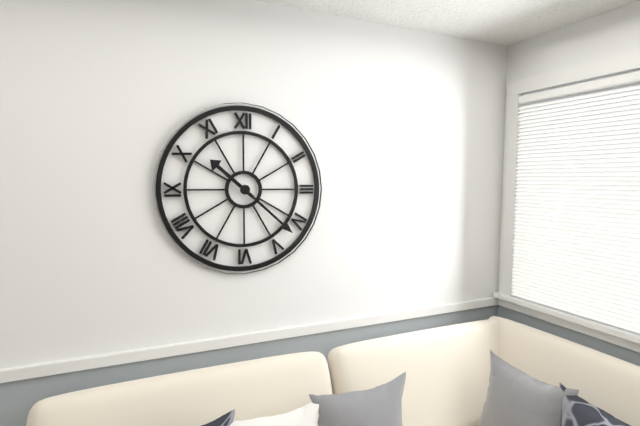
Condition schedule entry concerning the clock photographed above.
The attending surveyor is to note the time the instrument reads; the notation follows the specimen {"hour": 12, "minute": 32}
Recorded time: {"hour": 10, "minute": 22}
